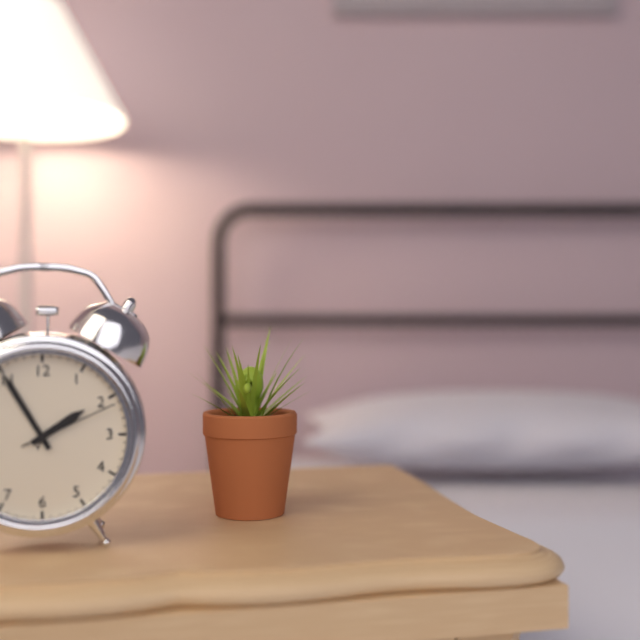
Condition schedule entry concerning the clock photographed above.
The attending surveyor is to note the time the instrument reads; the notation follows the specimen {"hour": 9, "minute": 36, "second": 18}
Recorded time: {"hour": 1, "minute": 55, "second": 11}
